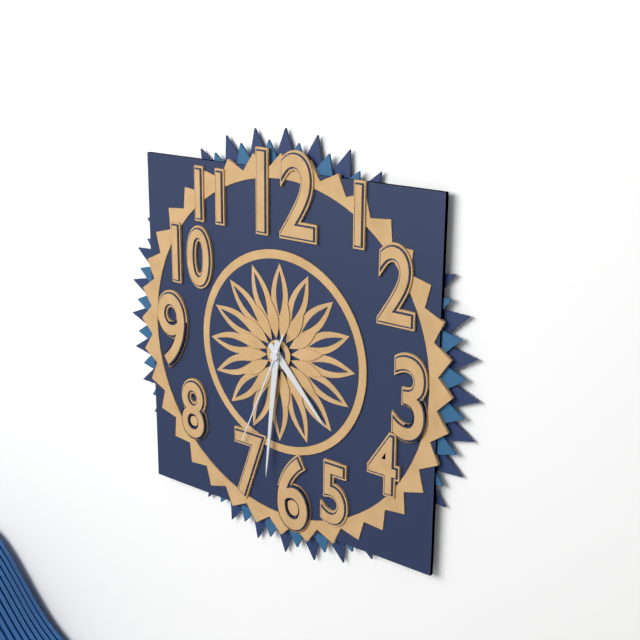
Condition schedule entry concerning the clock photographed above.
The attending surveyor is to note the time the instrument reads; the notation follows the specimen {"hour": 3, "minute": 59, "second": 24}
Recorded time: {"hour": 4, "minute": 31, "second": 34}
